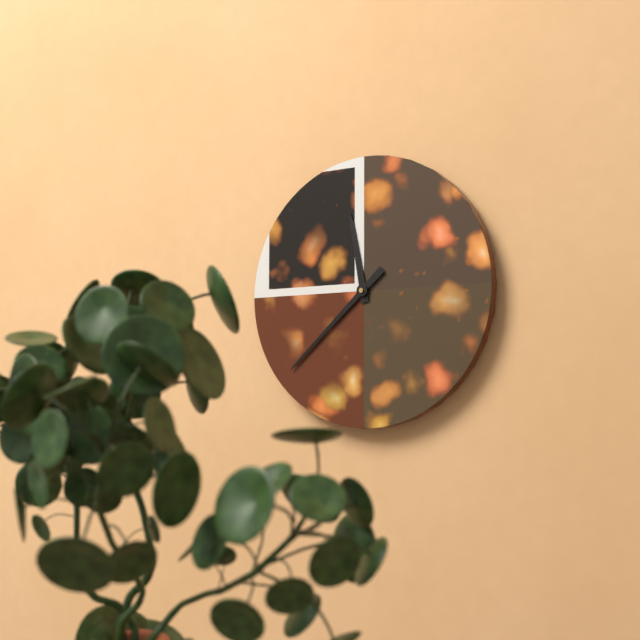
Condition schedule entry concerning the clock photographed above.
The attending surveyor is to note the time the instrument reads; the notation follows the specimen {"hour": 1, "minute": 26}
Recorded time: {"hour": 11, "minute": 38}
